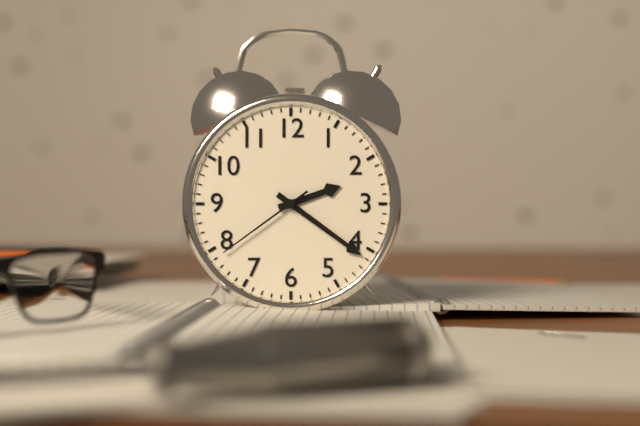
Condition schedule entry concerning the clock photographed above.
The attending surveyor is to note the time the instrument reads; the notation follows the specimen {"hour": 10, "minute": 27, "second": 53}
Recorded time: {"hour": 2, "minute": 21, "second": 39}
